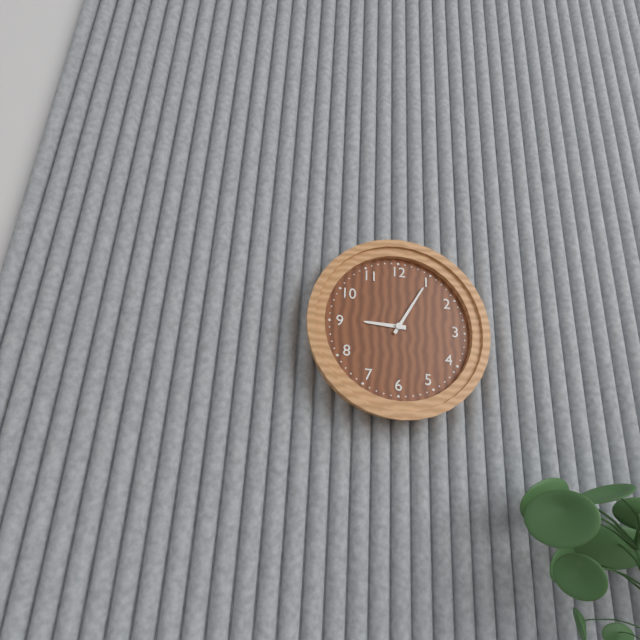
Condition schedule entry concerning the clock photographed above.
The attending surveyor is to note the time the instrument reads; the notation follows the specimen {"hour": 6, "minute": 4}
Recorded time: {"hour": 9, "minute": 5}
